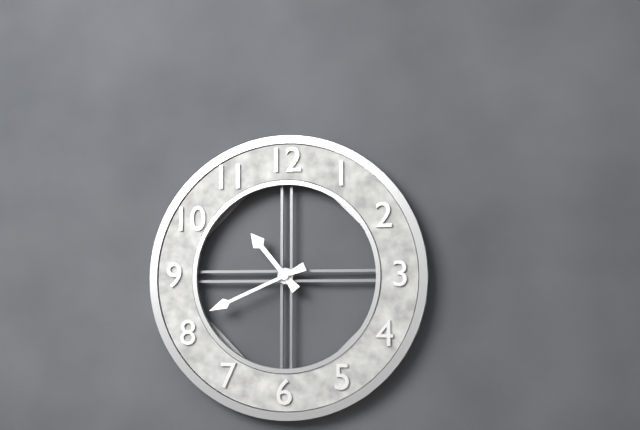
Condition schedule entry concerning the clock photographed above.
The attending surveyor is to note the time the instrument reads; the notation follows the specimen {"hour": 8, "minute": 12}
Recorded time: {"hour": 10, "minute": 41}
